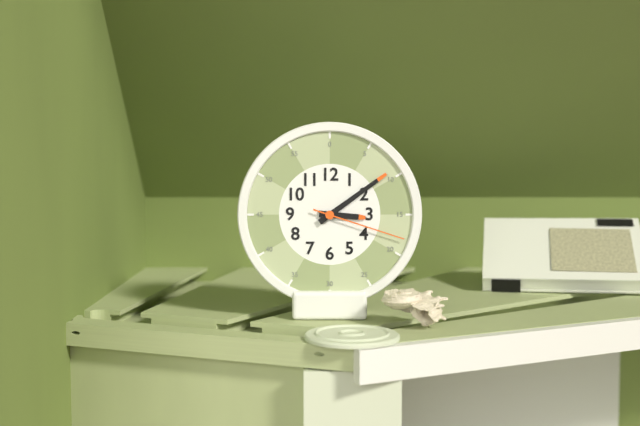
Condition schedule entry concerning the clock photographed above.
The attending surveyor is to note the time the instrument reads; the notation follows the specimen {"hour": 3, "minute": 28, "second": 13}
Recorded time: {"hour": 3, "minute": 9, "second": 18}
